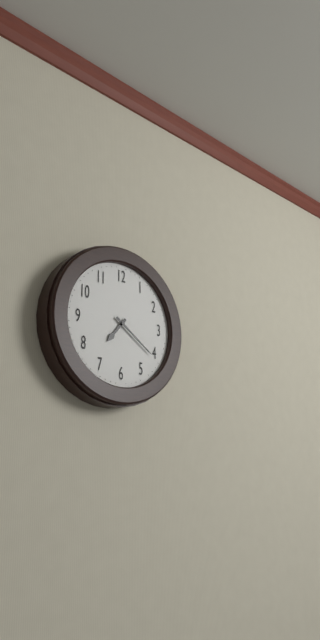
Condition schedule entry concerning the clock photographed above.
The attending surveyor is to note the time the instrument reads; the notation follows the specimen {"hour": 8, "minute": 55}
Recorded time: {"hour": 7, "minute": 21}
